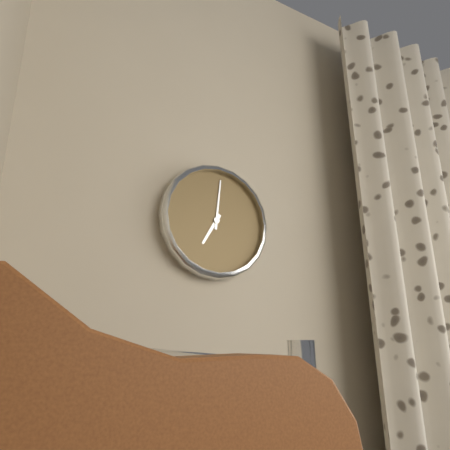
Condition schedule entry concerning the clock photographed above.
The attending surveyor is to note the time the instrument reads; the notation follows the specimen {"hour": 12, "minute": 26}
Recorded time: {"hour": 7, "minute": 1}
